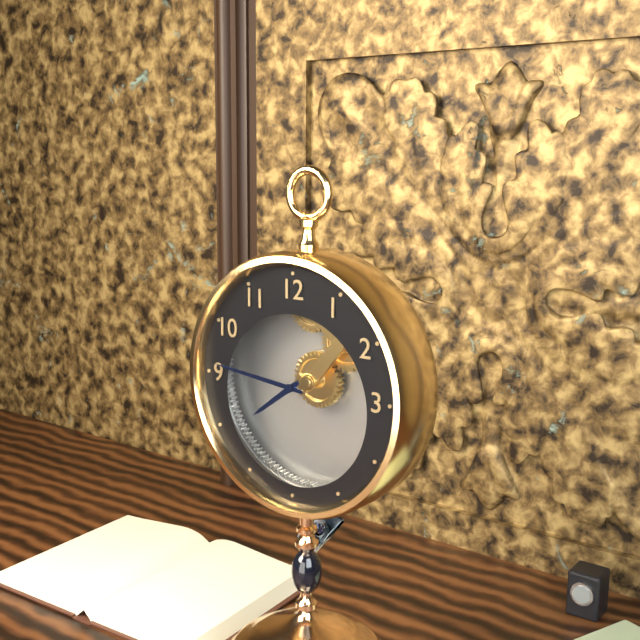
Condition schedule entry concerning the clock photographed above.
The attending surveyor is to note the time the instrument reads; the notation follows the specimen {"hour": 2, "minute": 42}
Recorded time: {"hour": 7, "minute": 46}
